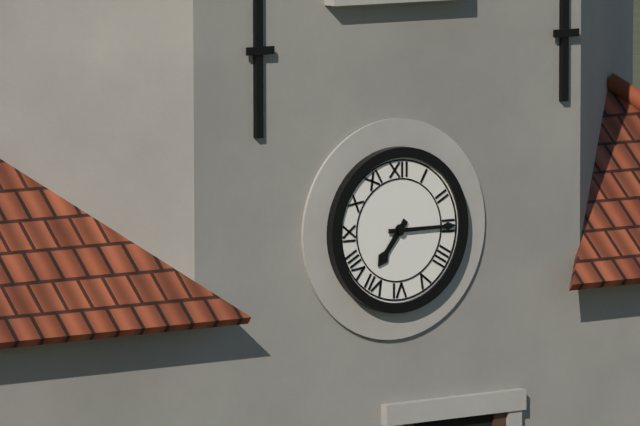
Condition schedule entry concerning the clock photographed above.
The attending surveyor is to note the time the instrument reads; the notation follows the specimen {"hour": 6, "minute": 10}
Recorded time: {"hour": 7, "minute": 15}
